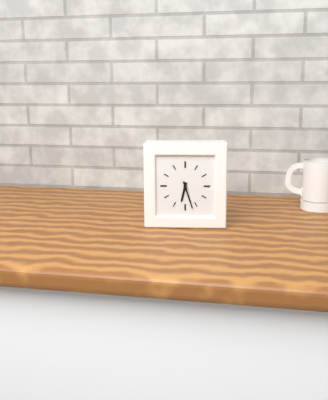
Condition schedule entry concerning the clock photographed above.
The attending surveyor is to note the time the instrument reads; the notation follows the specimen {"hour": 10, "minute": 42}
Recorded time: {"hour": 6, "minute": 27}
